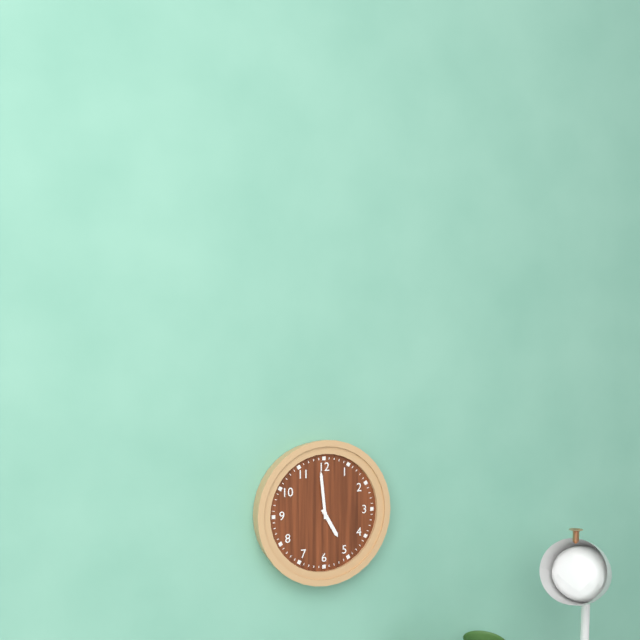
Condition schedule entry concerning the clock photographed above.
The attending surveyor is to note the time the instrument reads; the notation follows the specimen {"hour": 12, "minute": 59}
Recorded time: {"hour": 4, "minute": 59}
